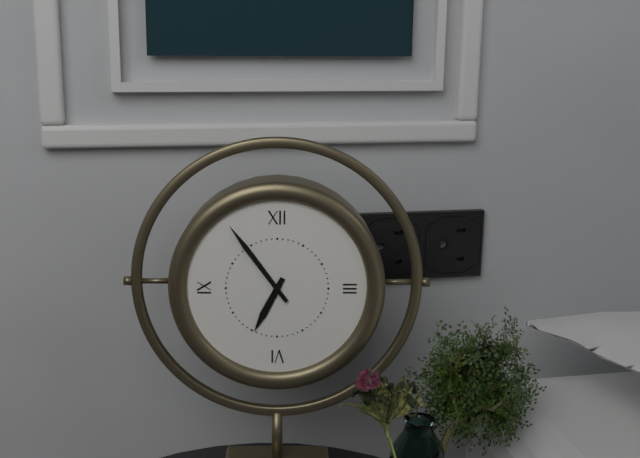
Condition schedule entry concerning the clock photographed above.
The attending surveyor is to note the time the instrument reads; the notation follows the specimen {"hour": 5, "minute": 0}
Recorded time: {"hour": 6, "minute": 54}
